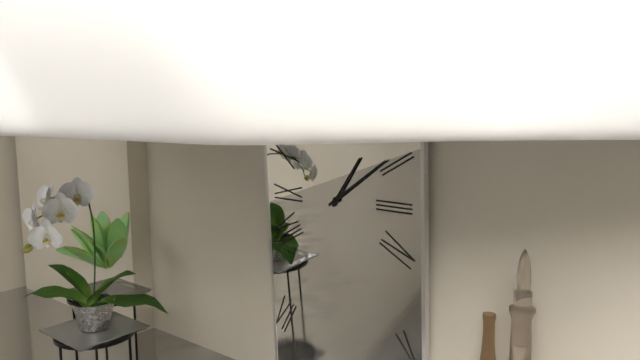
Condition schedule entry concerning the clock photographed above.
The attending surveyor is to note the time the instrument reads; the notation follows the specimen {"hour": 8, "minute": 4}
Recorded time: {"hour": 1, "minute": 9}
